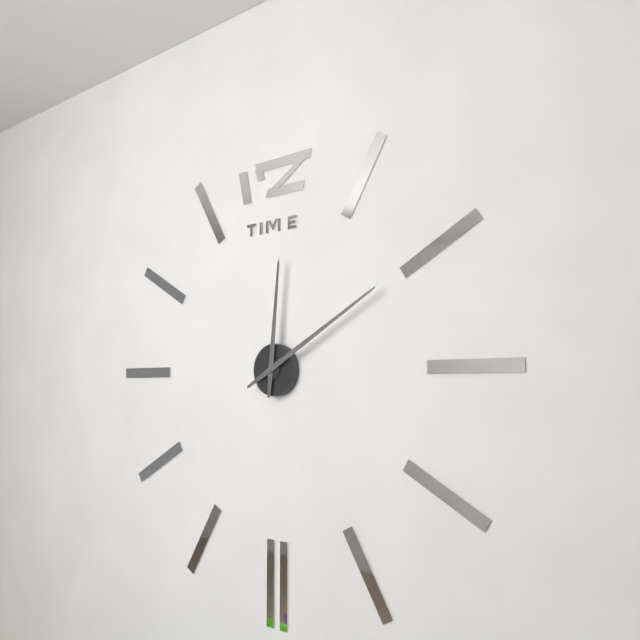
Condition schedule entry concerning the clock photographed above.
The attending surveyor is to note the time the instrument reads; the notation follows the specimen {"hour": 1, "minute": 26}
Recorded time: {"hour": 12, "minute": 10}
